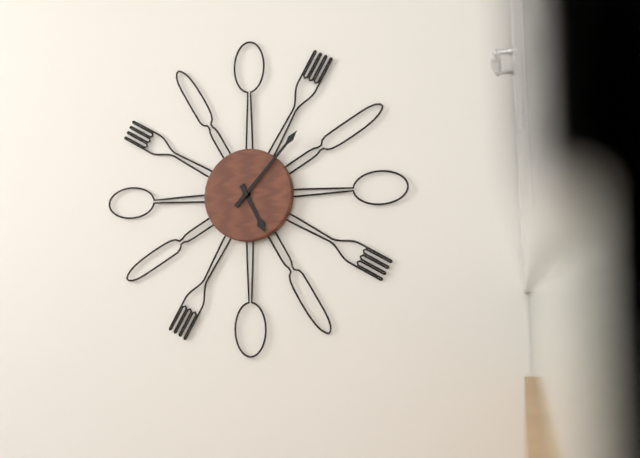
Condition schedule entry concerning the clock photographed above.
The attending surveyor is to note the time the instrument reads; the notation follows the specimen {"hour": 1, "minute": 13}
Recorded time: {"hour": 5, "minute": 7}
